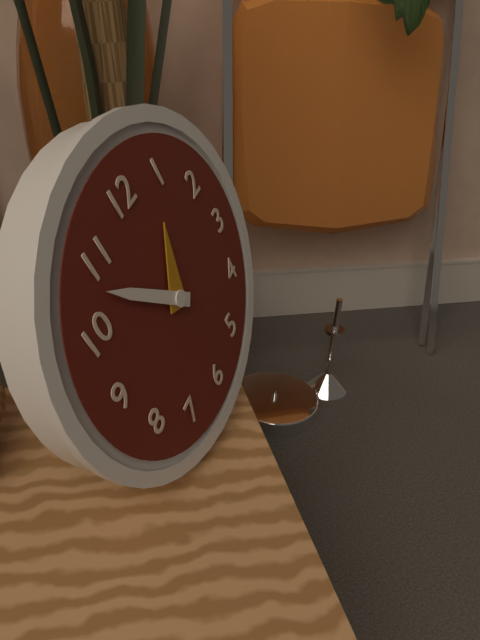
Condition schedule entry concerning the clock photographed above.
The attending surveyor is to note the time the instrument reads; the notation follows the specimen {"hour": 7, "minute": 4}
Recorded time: {"hour": 12, "minute": 53}
